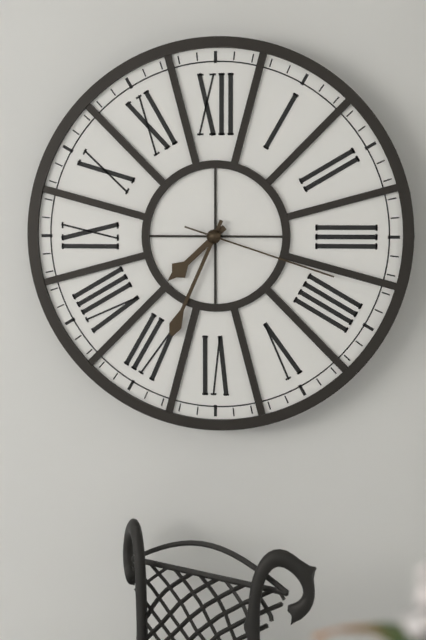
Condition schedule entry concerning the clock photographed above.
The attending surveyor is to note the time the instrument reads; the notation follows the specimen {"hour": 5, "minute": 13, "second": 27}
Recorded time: {"hour": 7, "minute": 34, "second": 18}
